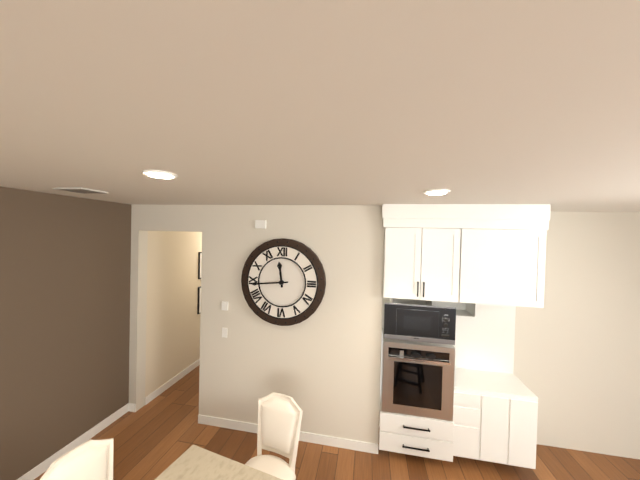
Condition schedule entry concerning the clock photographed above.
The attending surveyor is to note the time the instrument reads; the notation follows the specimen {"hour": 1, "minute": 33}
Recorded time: {"hour": 11, "minute": 44}
